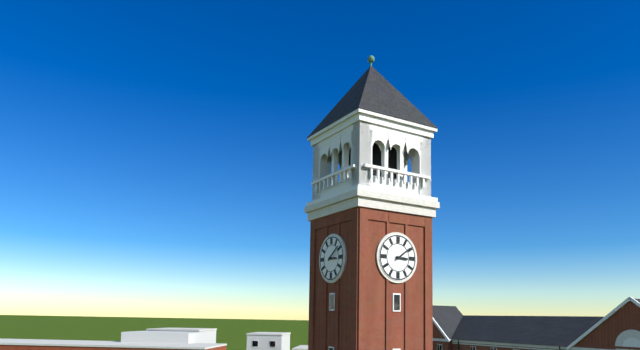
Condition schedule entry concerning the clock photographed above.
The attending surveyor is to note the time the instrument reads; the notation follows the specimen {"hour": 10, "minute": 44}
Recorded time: {"hour": 3, "minute": 9}
